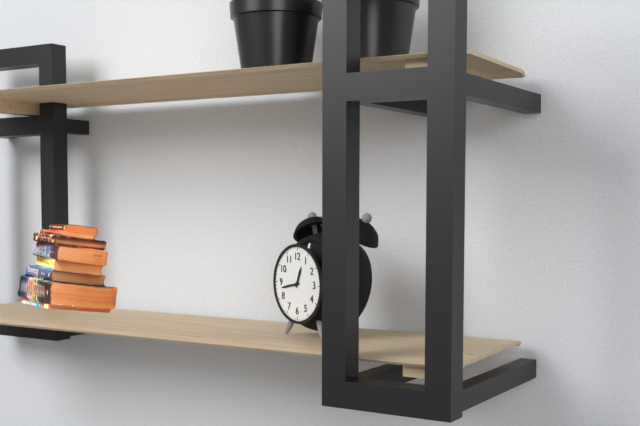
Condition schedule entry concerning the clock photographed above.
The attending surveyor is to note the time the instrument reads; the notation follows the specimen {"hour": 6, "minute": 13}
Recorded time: {"hour": 12, "minute": 43}
